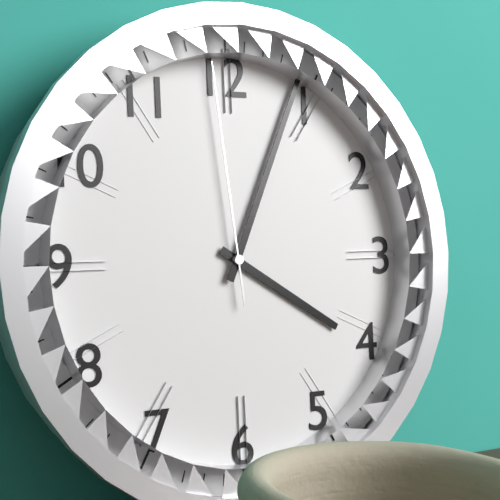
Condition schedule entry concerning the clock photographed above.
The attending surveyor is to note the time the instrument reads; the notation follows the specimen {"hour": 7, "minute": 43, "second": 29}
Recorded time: {"hour": 4, "minute": 4, "second": 59}
